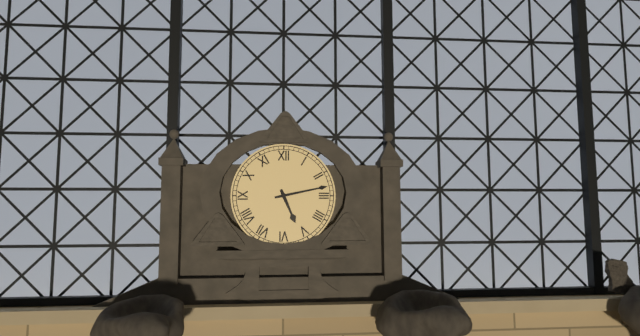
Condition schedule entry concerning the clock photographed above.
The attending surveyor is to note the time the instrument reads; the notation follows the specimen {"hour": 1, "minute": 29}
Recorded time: {"hour": 5, "minute": 13}
